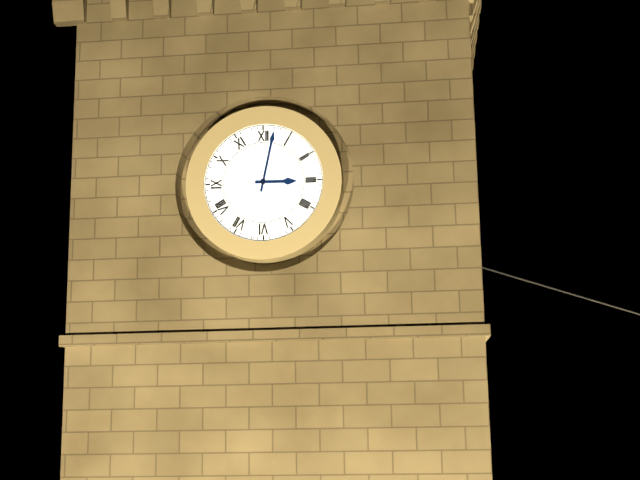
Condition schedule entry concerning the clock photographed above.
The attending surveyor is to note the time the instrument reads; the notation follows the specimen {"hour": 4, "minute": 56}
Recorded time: {"hour": 3, "minute": 2}
